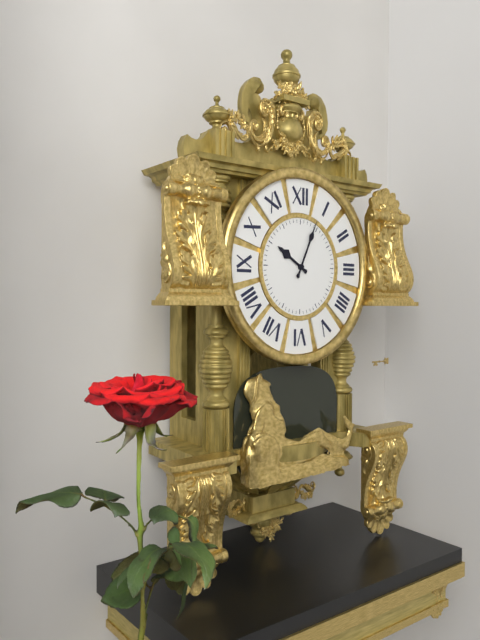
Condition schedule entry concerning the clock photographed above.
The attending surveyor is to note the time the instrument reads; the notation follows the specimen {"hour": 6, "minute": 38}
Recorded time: {"hour": 10, "minute": 4}
